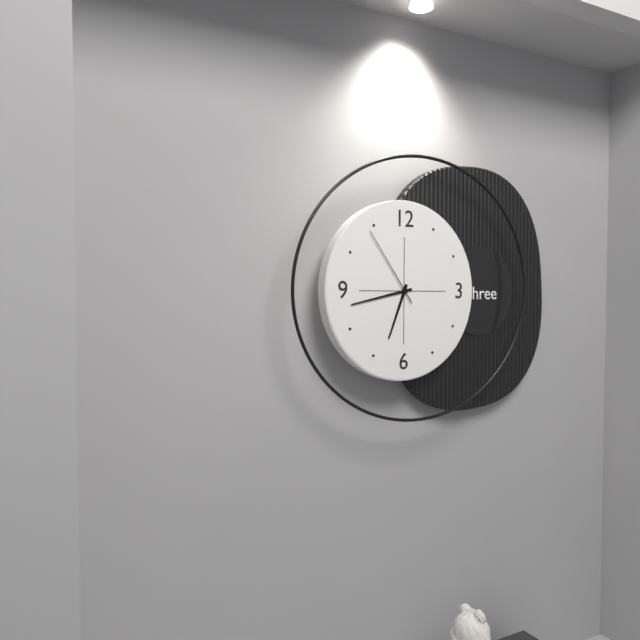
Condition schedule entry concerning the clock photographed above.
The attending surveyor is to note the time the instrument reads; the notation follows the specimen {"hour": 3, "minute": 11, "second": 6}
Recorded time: {"hour": 6, "minute": 43, "second": 54}
